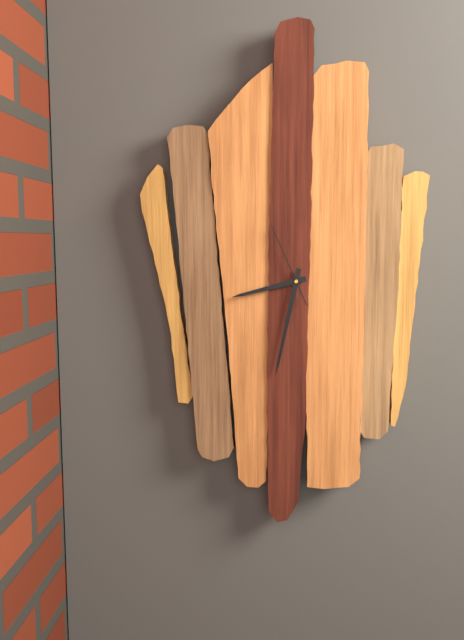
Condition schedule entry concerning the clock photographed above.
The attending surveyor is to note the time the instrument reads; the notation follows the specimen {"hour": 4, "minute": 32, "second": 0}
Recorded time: {"hour": 8, "minute": 32, "second": 56}
